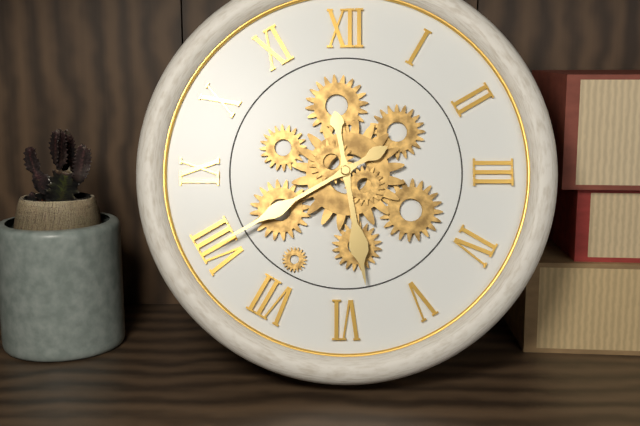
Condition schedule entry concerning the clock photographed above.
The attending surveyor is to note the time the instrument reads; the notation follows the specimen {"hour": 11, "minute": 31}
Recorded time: {"hour": 5, "minute": 40}
